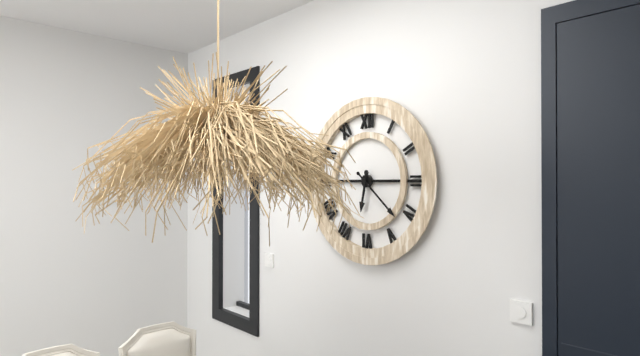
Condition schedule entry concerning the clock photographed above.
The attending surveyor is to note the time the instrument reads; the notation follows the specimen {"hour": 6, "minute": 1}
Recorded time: {"hour": 6, "minute": 22}
